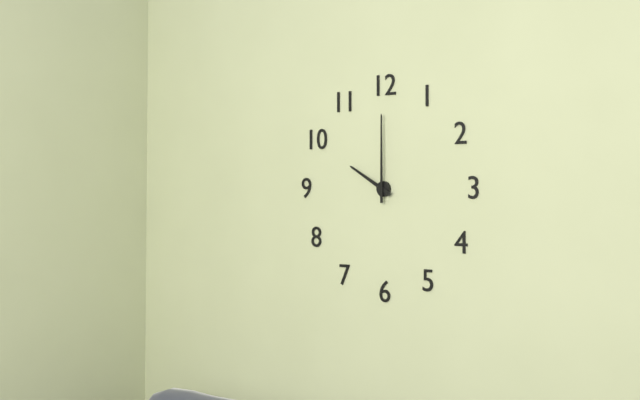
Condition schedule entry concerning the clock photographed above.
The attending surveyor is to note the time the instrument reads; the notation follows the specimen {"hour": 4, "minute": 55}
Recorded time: {"hour": 10, "minute": 0}
